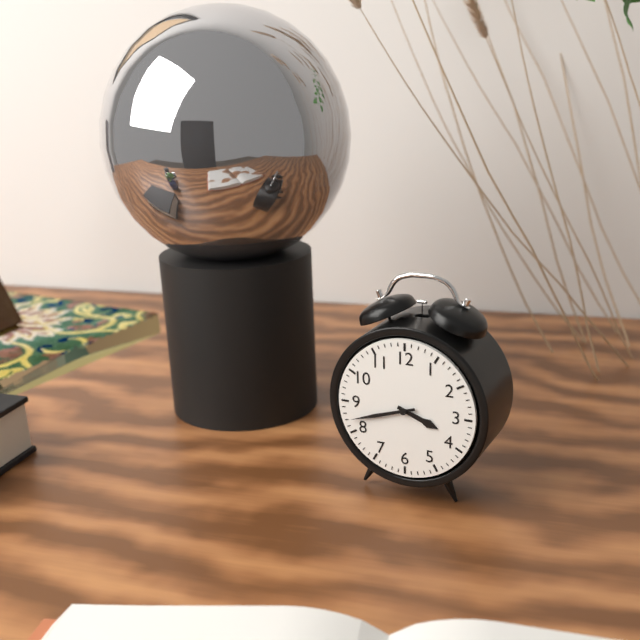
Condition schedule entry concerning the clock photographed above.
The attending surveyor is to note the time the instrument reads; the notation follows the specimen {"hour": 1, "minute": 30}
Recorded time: {"hour": 3, "minute": 42}
